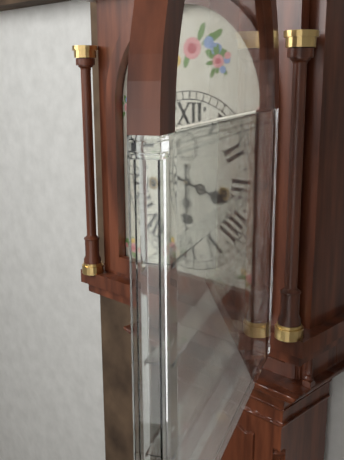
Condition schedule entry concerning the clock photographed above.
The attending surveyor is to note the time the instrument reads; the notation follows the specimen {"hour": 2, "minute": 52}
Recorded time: {"hour": 3, "minute": 30}
